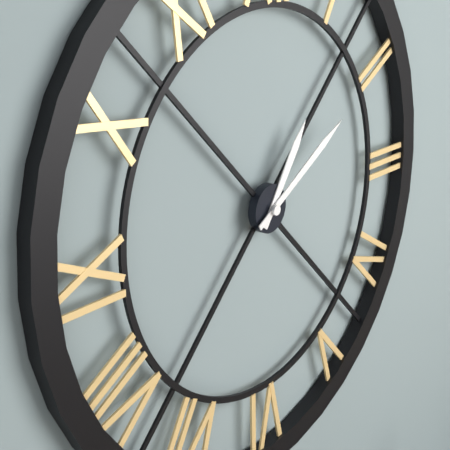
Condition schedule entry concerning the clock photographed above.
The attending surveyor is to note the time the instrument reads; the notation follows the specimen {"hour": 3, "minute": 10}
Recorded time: {"hour": 1, "minute": 10}
